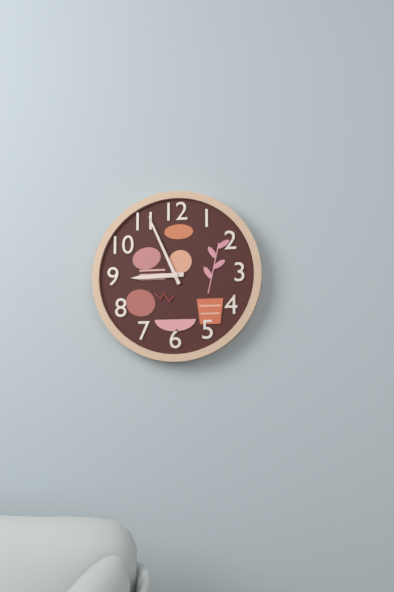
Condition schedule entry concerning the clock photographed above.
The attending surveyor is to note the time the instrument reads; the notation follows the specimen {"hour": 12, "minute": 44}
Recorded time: {"hour": 8, "minute": 56}
